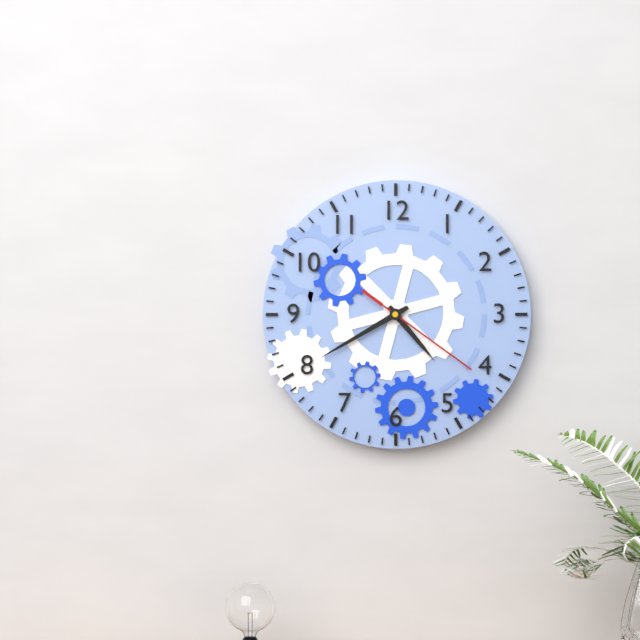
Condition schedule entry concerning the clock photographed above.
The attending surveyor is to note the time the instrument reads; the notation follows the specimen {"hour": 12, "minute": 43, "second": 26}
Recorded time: {"hour": 4, "minute": 40, "second": 21}
